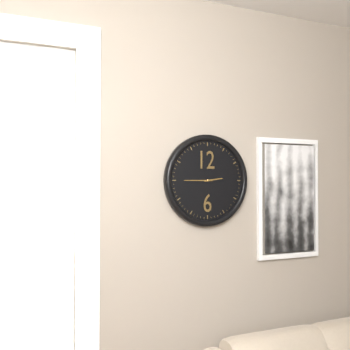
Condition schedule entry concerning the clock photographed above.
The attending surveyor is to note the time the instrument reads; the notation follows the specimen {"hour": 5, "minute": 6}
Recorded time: {"hour": 2, "minute": 45}
